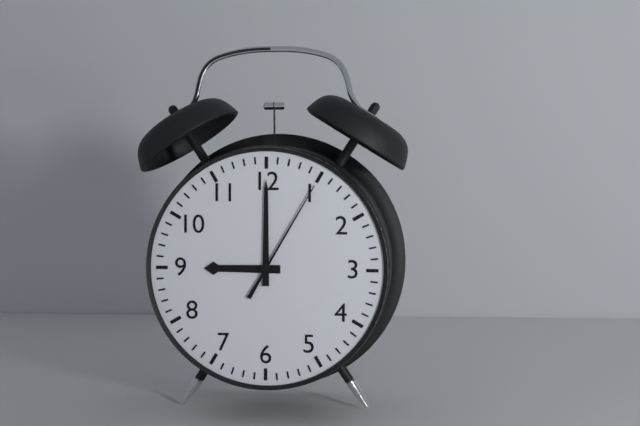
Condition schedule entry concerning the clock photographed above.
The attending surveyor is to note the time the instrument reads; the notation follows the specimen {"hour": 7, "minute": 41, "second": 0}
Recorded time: {"hour": 9, "minute": 0, "second": 5}
